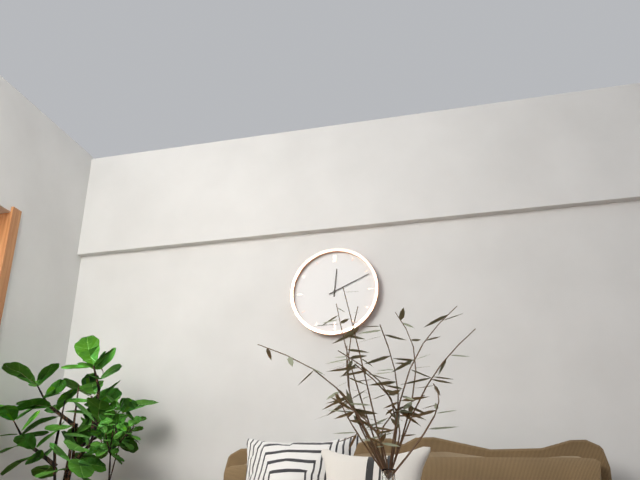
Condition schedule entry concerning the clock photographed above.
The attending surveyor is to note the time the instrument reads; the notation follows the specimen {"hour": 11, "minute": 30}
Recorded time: {"hour": 12, "minute": 11}
